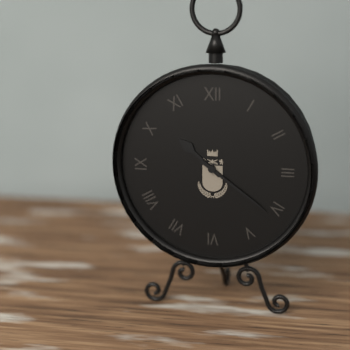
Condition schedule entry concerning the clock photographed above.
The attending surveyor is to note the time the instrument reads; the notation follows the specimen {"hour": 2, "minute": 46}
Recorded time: {"hour": 10, "minute": 21}
